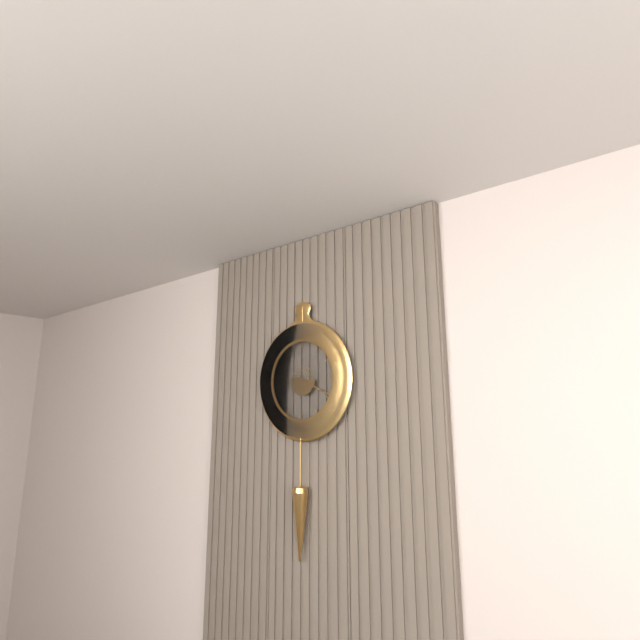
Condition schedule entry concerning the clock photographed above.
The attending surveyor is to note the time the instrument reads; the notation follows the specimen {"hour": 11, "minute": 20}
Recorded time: {"hour": 9, "minute": 19}
